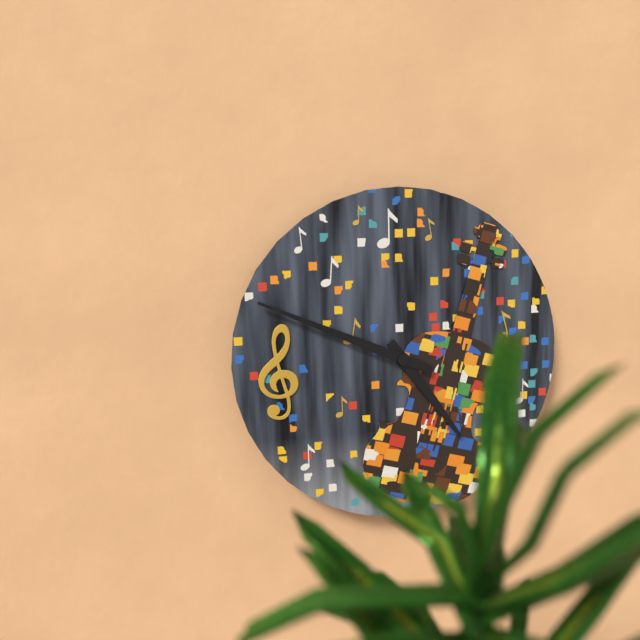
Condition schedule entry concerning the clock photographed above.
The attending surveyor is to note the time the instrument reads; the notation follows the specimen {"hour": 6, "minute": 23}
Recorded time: {"hour": 4, "minute": 49}
